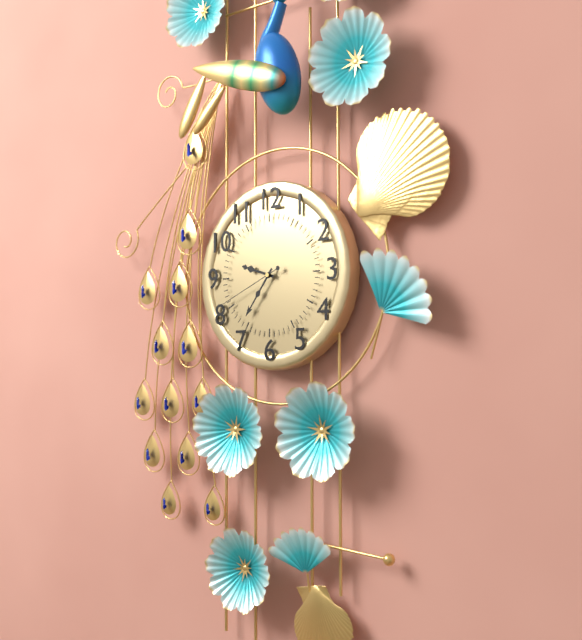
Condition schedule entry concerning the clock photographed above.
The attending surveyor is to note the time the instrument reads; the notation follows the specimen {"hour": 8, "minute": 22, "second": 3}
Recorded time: {"hour": 9, "minute": 36, "second": 41}
